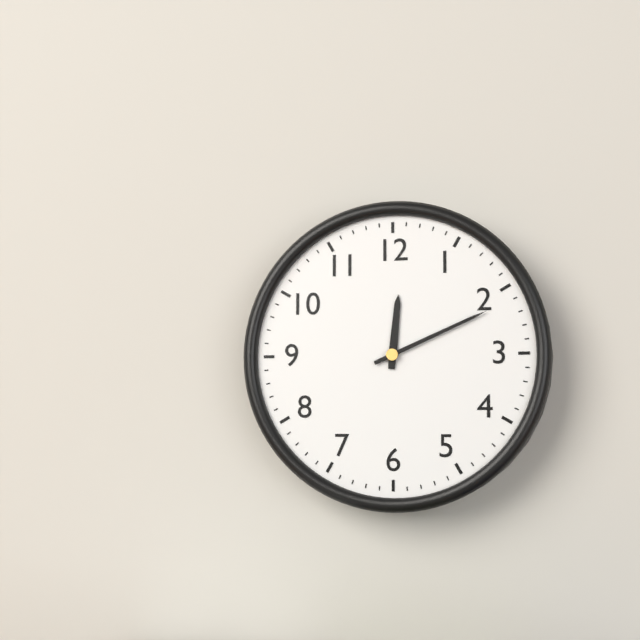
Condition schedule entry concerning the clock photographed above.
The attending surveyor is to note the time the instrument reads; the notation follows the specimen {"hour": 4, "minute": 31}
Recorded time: {"hour": 12, "minute": 11}
